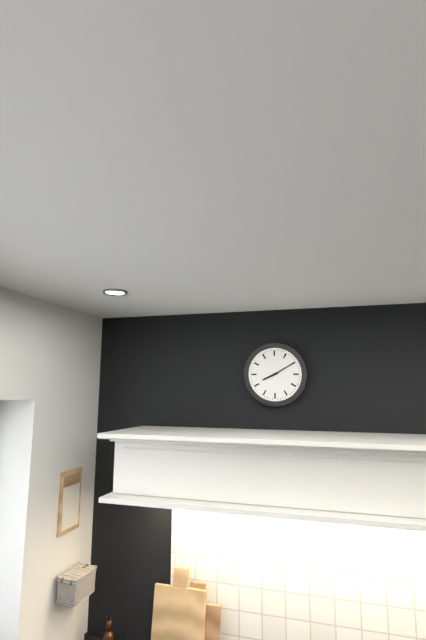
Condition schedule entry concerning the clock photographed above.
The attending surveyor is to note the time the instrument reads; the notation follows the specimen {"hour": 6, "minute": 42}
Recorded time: {"hour": 8, "minute": 10}
